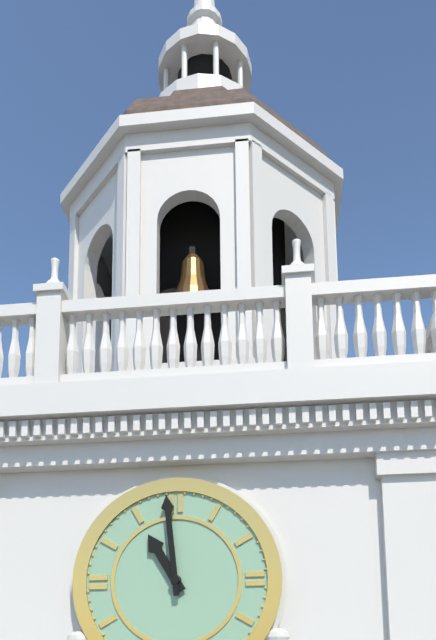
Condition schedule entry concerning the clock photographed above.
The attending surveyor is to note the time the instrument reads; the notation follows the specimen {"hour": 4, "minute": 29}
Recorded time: {"hour": 10, "minute": 59}
